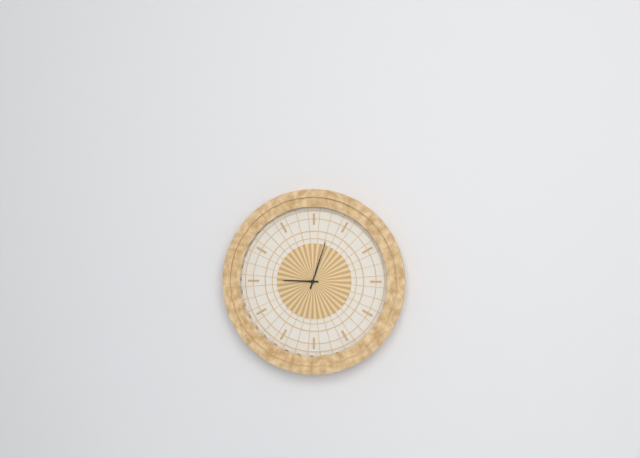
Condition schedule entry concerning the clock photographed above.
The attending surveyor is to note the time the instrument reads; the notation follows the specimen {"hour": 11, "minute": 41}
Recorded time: {"hour": 9, "minute": 3}
